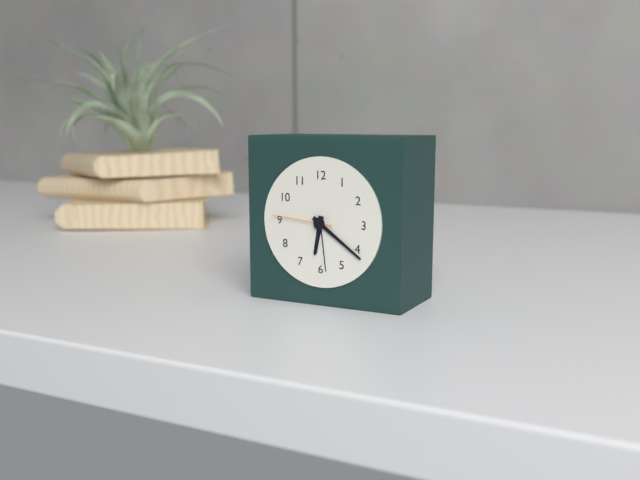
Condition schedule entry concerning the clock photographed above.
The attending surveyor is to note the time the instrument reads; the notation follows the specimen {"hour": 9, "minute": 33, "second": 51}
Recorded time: {"hour": 6, "minute": 21, "second": 46}
